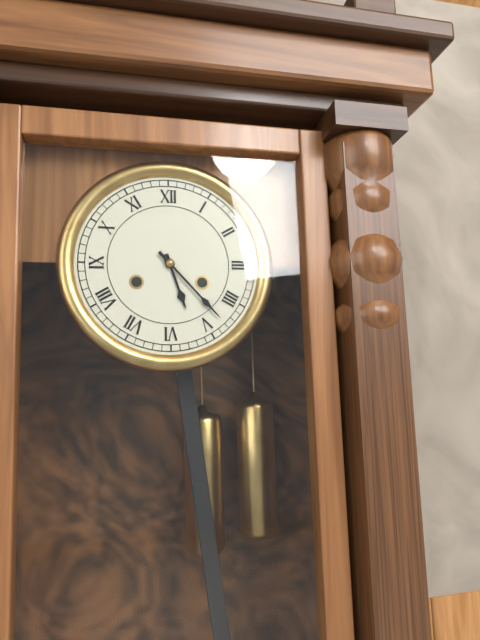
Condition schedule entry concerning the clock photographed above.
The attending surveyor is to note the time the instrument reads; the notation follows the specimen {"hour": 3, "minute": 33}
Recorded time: {"hour": 5, "minute": 23}
